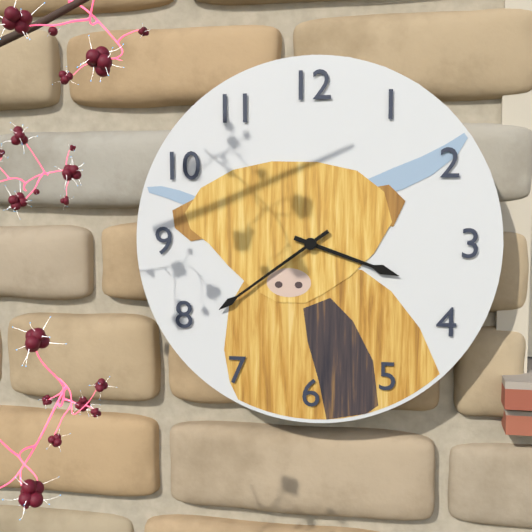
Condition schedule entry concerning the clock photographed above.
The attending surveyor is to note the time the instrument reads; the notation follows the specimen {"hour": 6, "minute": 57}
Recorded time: {"hour": 3, "minute": 39}
